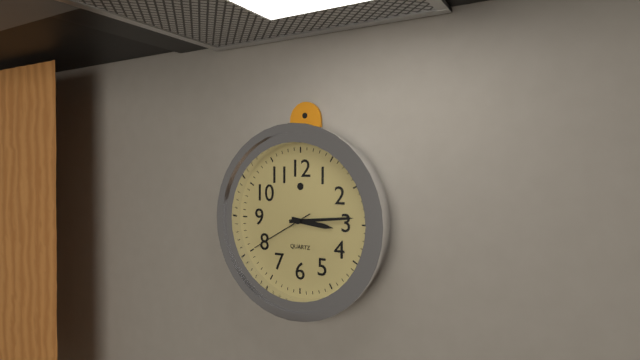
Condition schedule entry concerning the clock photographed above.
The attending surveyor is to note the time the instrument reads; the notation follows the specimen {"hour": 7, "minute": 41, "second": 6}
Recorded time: {"hour": 3, "minute": 14, "second": 40}
